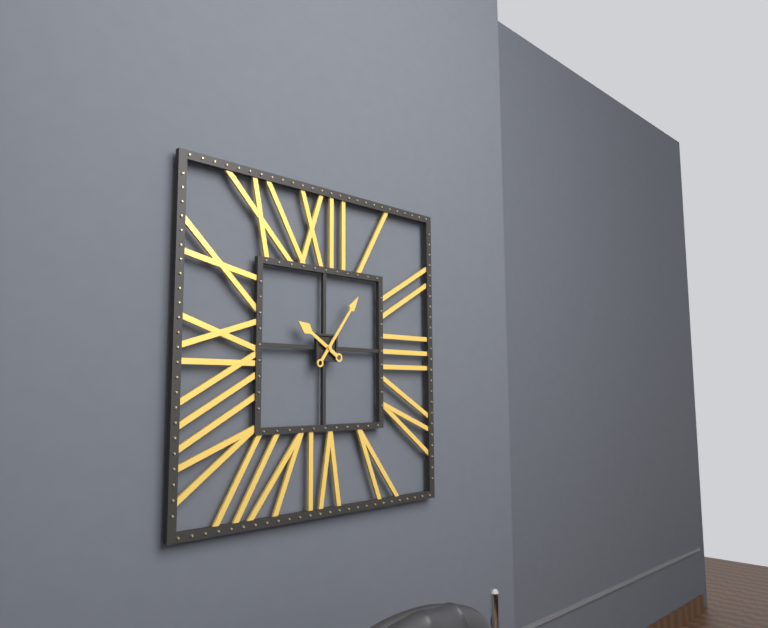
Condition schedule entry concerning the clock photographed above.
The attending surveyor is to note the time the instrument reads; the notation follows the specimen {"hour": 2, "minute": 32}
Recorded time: {"hour": 10, "minute": 6}
